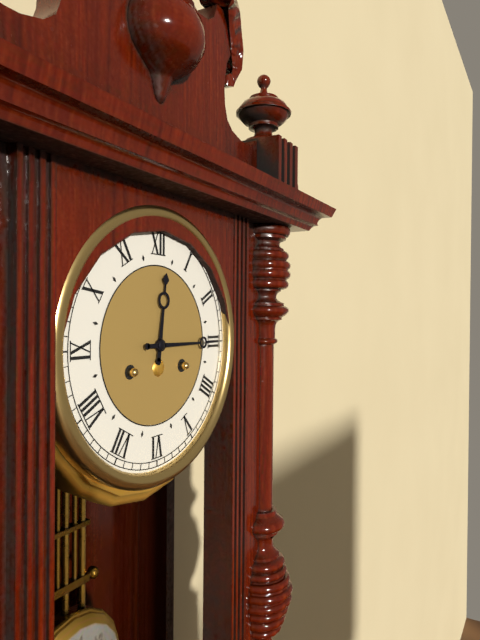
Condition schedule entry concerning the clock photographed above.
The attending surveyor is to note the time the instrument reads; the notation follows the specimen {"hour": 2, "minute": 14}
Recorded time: {"hour": 12, "minute": 15}
